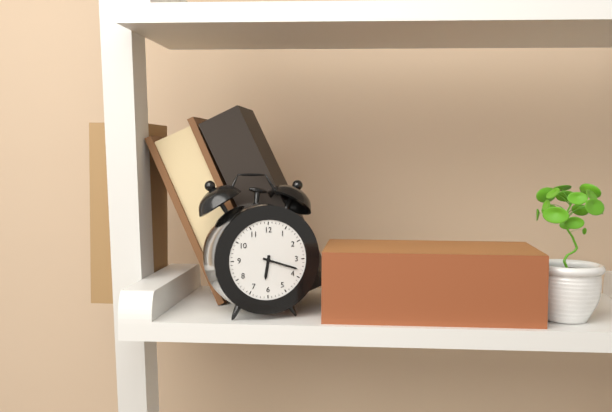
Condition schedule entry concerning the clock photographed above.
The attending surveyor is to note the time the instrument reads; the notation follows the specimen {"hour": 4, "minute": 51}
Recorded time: {"hour": 6, "minute": 18}
